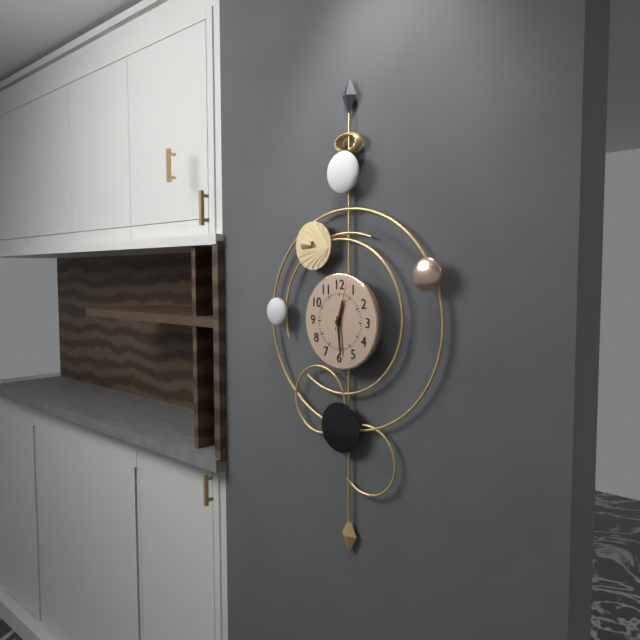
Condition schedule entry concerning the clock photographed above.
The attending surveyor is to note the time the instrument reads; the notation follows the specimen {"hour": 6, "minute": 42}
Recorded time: {"hour": 12, "minute": 29}
